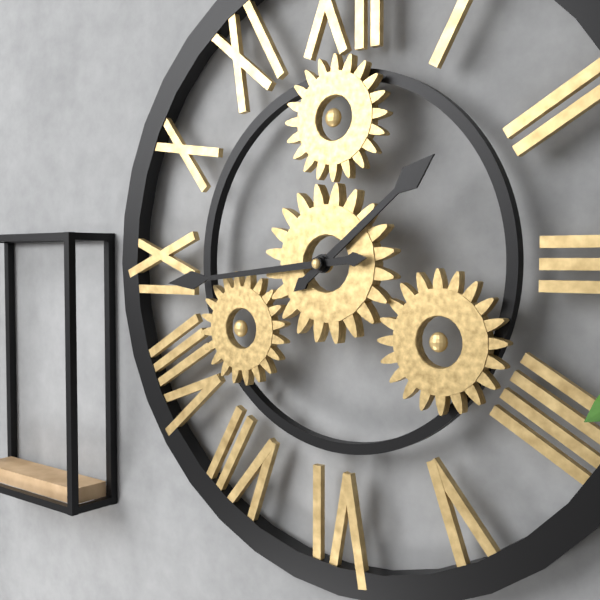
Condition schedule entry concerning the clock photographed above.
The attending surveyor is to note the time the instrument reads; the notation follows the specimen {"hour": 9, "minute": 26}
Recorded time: {"hour": 1, "minute": 44}
